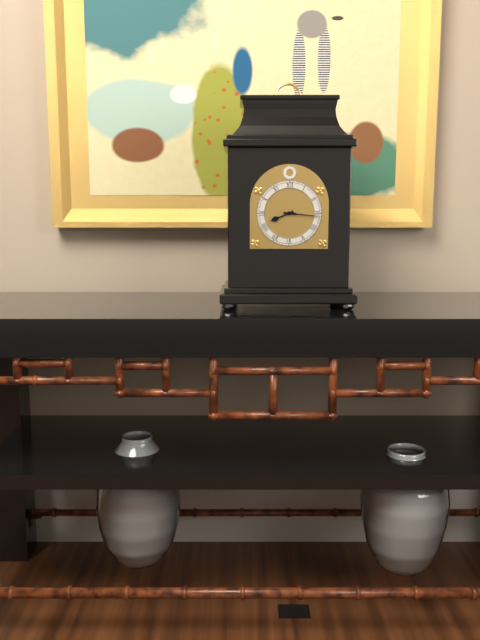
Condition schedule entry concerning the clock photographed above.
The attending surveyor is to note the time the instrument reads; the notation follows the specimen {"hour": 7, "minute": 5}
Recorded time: {"hour": 8, "minute": 16}
